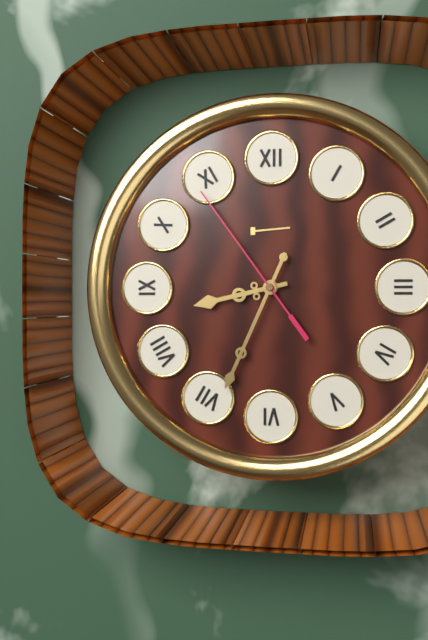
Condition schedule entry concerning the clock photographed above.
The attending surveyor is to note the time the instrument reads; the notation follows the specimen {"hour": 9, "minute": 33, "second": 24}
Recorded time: {"hour": 8, "minute": 34, "second": 54}
